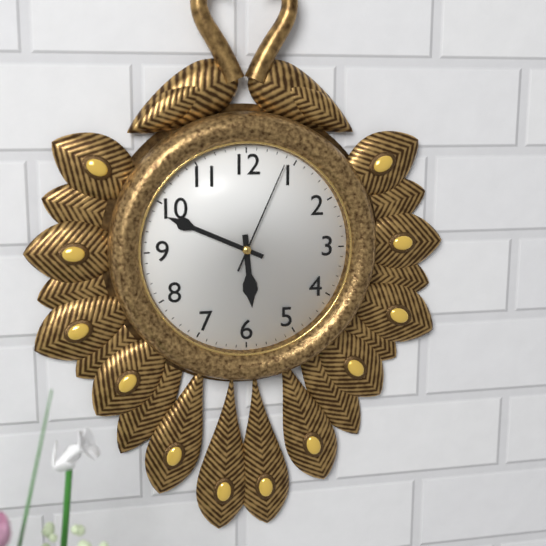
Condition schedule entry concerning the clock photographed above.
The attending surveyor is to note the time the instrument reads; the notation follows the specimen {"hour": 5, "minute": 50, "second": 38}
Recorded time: {"hour": 5, "minute": 49, "second": 4}
